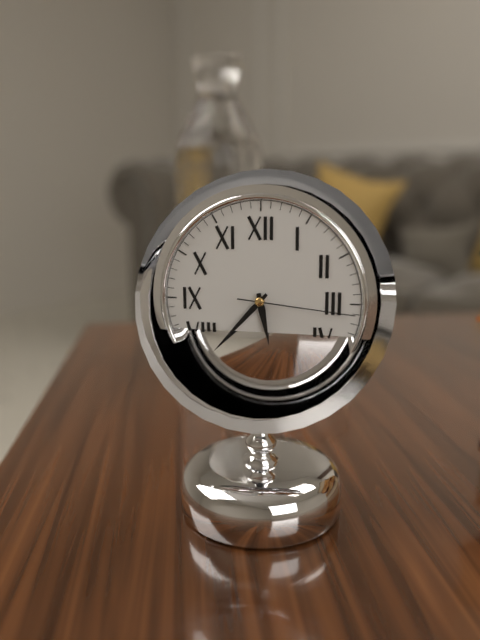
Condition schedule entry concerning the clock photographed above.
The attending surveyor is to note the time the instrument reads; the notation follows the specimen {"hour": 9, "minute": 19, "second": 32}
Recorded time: {"hour": 5, "minute": 37, "second": 16}
